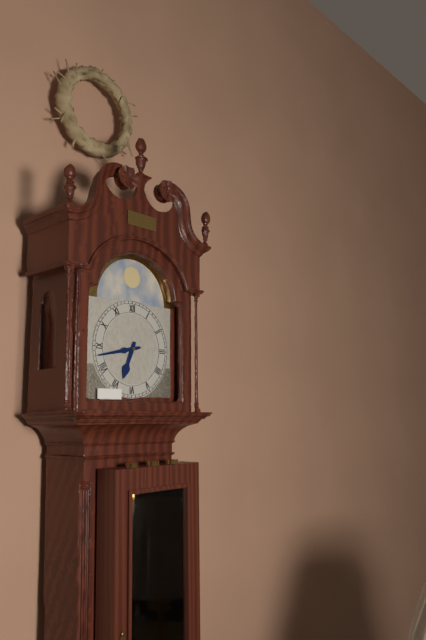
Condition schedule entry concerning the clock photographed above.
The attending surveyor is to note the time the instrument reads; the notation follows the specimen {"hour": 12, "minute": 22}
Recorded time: {"hour": 6, "minute": 43}
